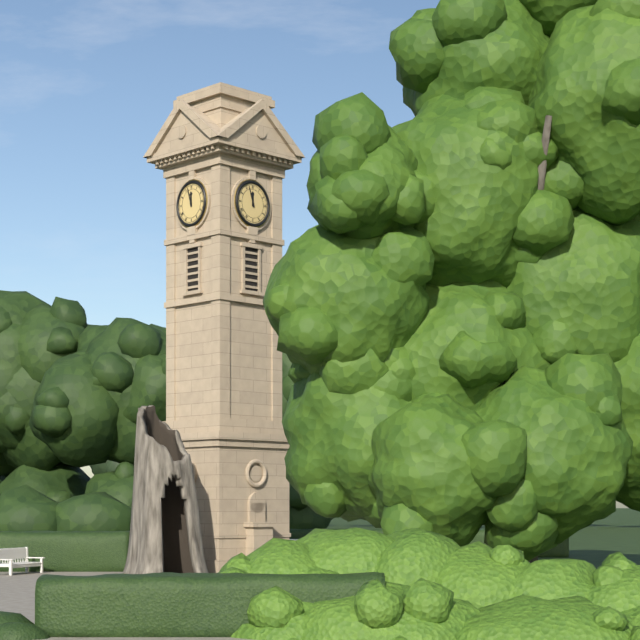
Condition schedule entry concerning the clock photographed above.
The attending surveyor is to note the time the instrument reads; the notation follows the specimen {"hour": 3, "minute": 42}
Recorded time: {"hour": 11, "minute": 57}
